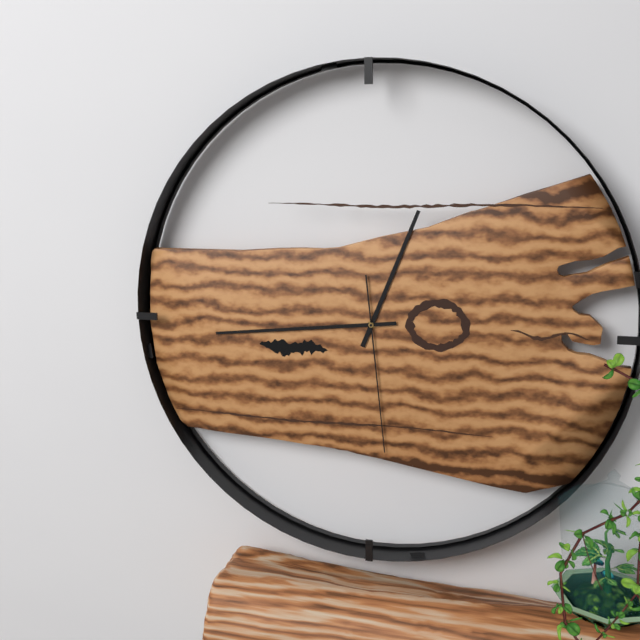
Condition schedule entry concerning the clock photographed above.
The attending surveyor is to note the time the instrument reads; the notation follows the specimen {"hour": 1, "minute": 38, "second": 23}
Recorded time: {"hour": 12, "minute": 44, "second": 29}
